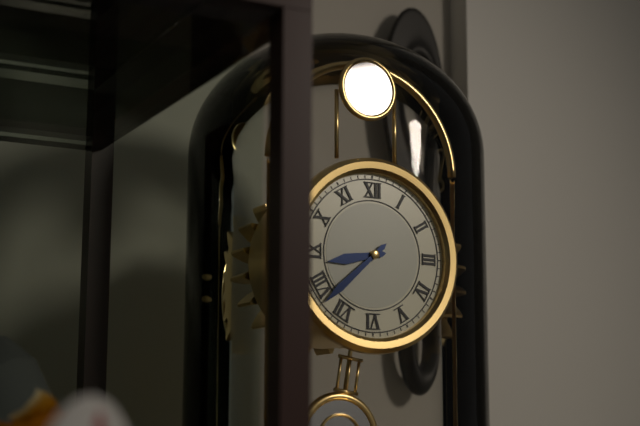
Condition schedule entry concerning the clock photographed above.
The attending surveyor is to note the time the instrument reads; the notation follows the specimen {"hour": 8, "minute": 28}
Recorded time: {"hour": 8, "minute": 38}
